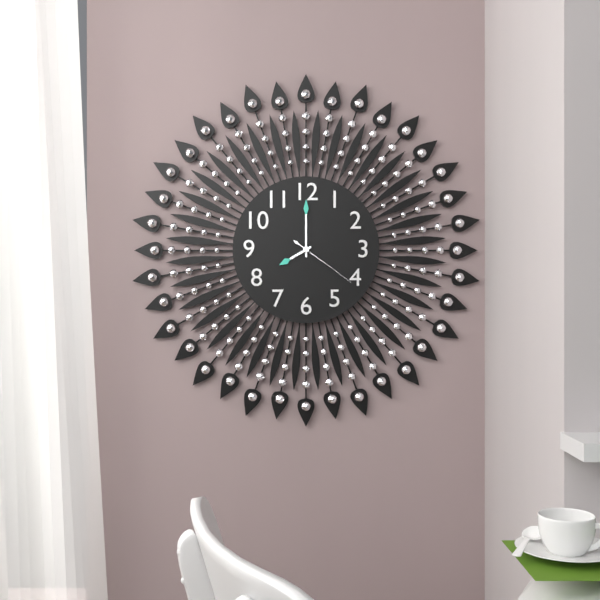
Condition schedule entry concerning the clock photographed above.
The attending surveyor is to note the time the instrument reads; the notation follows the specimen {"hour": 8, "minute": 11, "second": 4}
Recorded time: {"hour": 8, "minute": 0, "second": 21}
